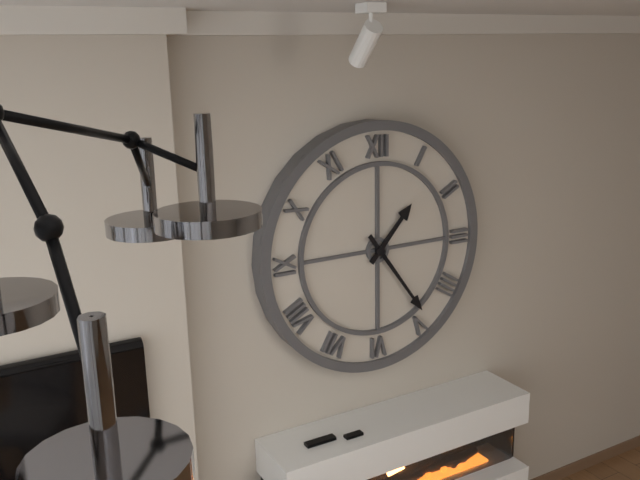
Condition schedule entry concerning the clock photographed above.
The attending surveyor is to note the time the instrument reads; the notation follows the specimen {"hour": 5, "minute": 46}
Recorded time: {"hour": 1, "minute": 24}
